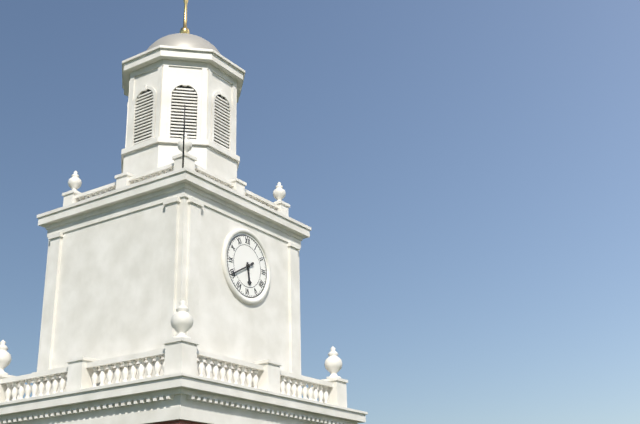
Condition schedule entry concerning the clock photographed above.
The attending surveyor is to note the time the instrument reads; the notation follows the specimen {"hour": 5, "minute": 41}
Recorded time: {"hour": 5, "minute": 40}
